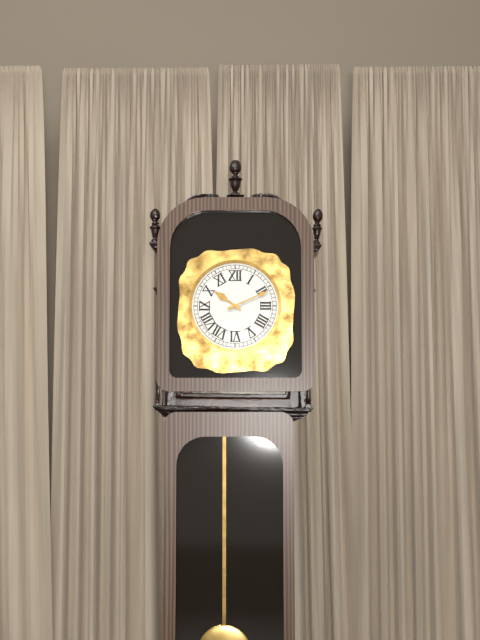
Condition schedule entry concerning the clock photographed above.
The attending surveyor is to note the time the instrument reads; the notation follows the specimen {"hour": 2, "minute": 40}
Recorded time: {"hour": 10, "minute": 11}
